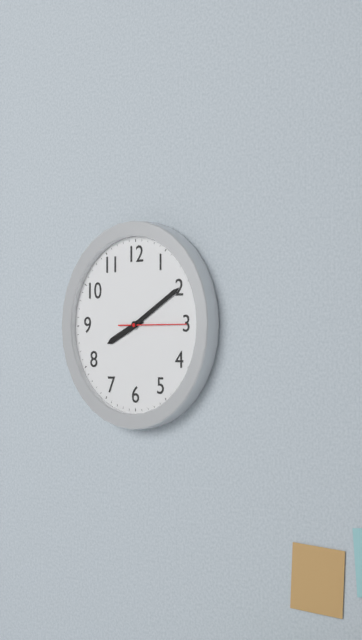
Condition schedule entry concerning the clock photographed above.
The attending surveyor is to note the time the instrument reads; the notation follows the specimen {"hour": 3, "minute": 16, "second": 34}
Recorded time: {"hour": 8, "minute": 10, "second": 15}
